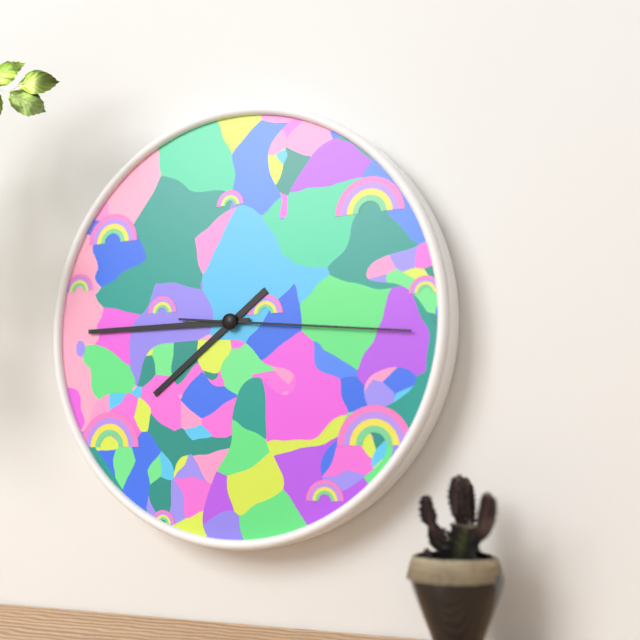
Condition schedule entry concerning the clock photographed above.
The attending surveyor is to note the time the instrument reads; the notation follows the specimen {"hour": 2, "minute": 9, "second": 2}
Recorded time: {"hour": 7, "minute": 45, "second": 16}
